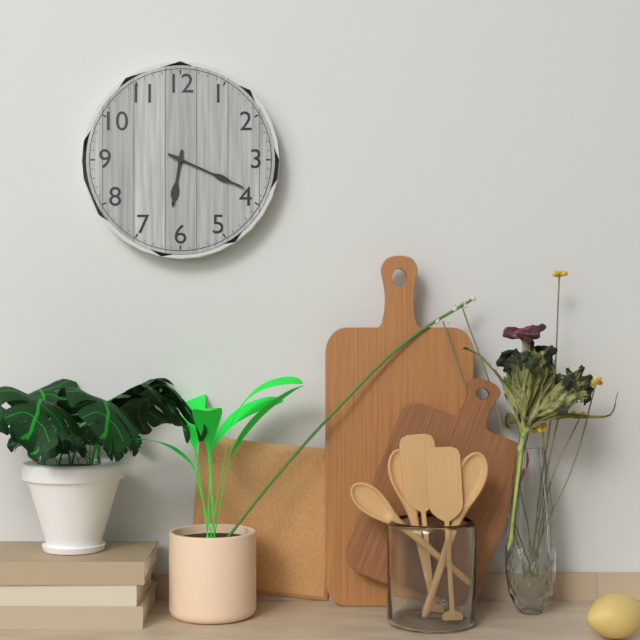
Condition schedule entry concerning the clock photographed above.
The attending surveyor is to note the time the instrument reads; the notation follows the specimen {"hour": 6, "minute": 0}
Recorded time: {"hour": 6, "minute": 19}
